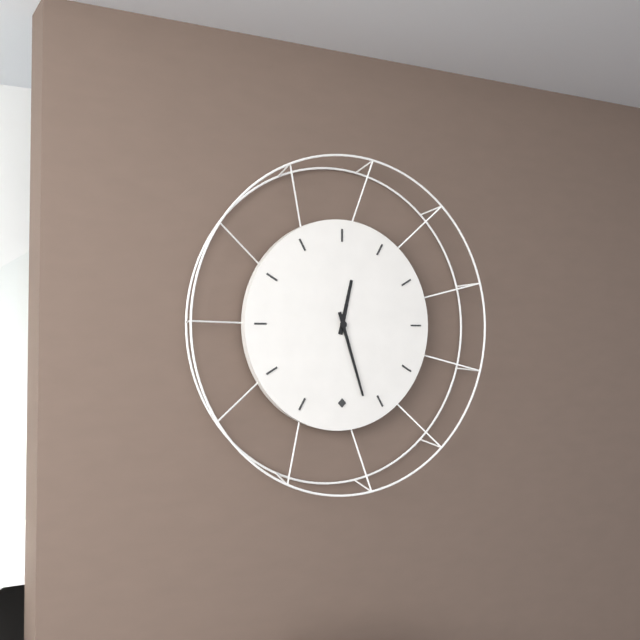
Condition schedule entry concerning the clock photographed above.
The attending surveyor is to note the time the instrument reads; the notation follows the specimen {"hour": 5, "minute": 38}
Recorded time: {"hour": 12, "minute": 27}
